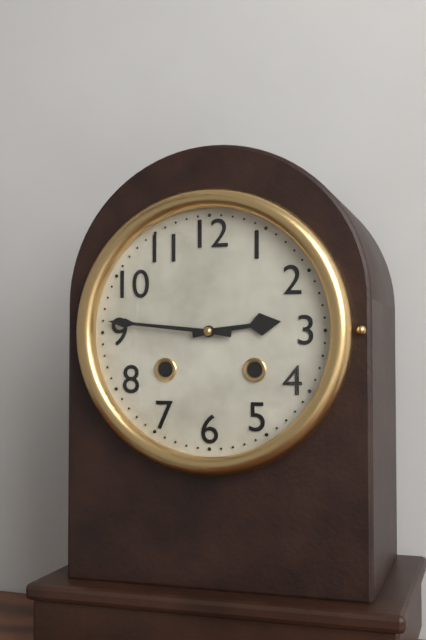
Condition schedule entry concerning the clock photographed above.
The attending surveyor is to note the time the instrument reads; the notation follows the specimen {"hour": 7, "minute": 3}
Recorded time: {"hour": 2, "minute": 46}
